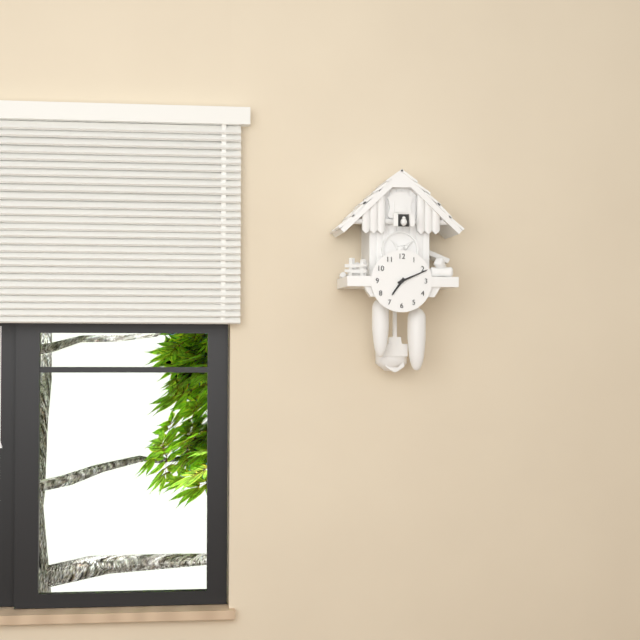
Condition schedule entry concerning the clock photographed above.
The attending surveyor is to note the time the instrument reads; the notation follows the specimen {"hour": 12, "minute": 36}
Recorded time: {"hour": 7, "minute": 11}
